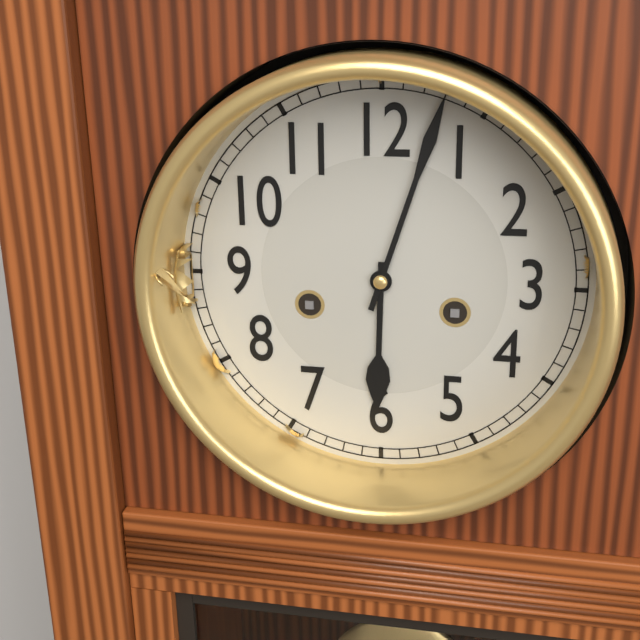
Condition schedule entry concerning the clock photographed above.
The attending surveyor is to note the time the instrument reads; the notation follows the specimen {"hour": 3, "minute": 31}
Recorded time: {"hour": 6, "minute": 3}
